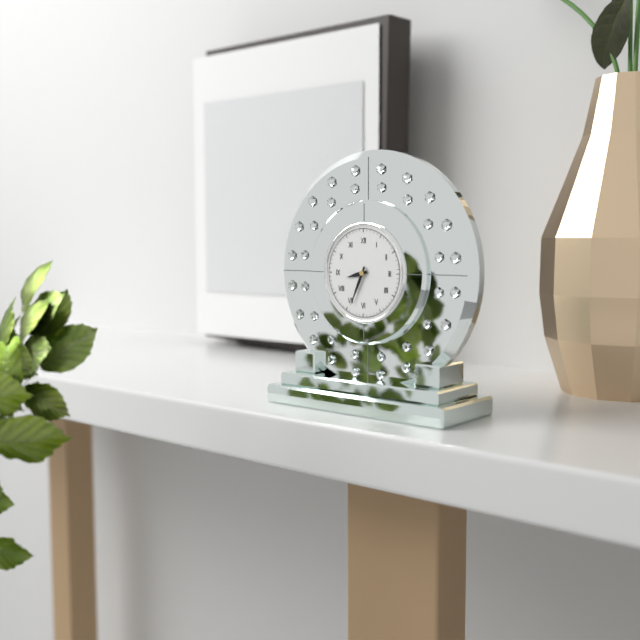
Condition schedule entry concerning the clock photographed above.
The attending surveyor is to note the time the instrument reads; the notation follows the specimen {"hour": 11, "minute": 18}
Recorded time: {"hour": 8, "minute": 34}
